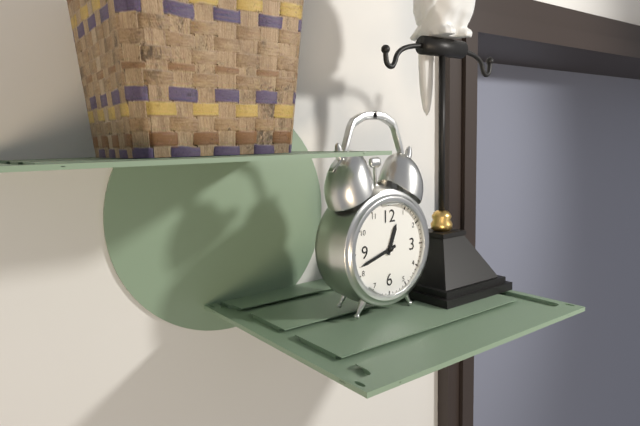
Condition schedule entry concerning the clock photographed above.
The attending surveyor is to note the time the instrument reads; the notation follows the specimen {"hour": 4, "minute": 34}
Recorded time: {"hour": 12, "minute": 42}
